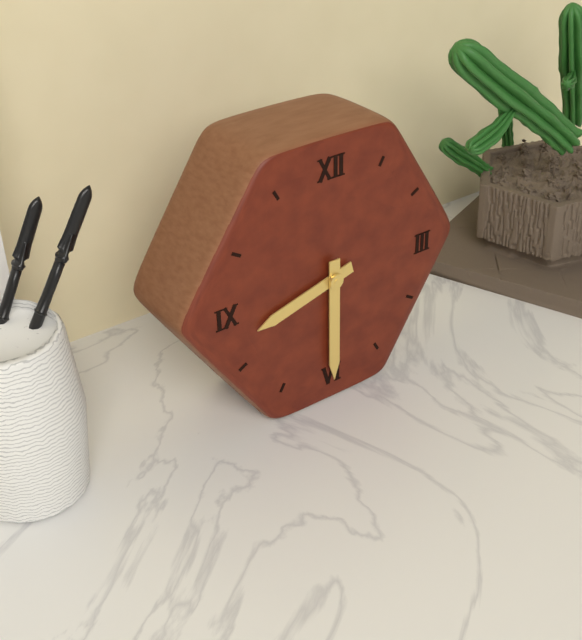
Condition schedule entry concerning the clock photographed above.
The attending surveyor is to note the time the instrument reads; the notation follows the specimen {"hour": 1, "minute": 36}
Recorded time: {"hour": 8, "minute": 30}
